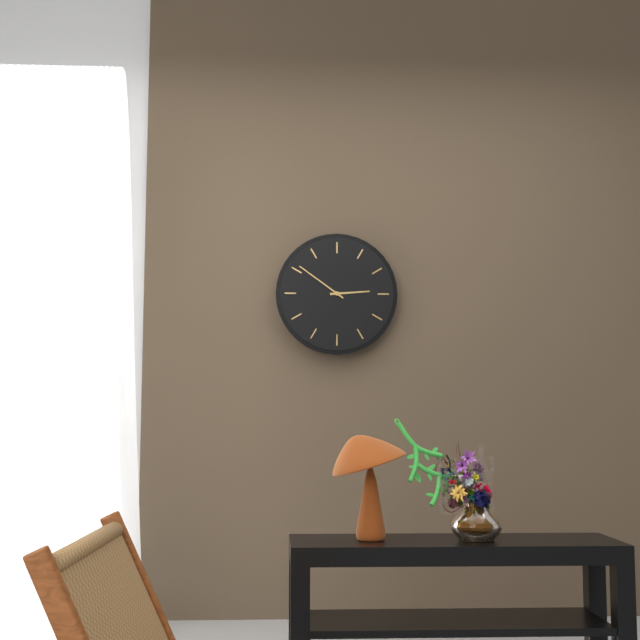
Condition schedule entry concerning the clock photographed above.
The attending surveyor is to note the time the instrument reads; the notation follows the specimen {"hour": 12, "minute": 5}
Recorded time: {"hour": 2, "minute": 51}
